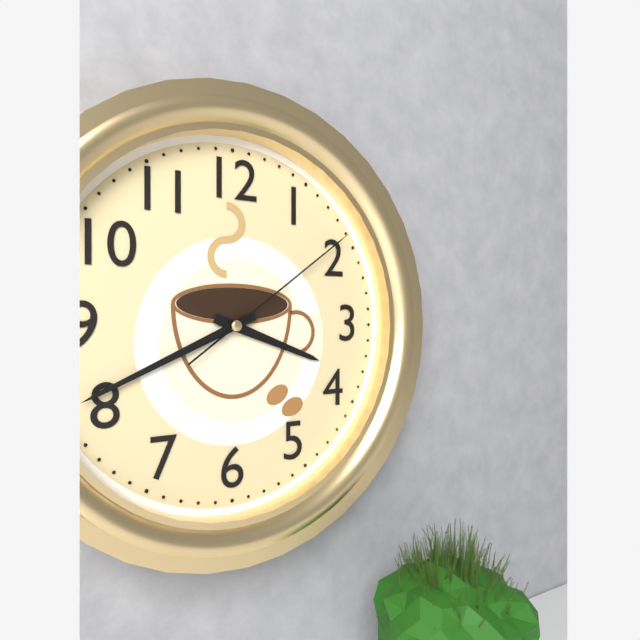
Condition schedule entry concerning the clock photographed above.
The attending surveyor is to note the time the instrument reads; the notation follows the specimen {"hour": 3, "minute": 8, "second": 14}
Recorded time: {"hour": 3, "minute": 41, "second": 9}
